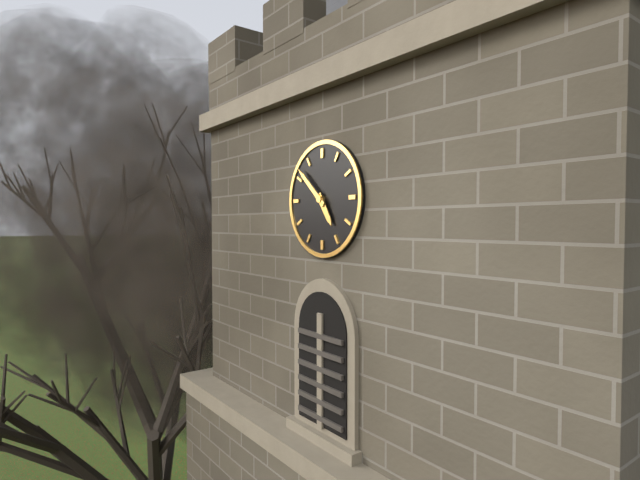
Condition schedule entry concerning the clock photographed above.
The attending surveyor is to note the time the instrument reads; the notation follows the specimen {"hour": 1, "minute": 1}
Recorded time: {"hour": 4, "minute": 52}
